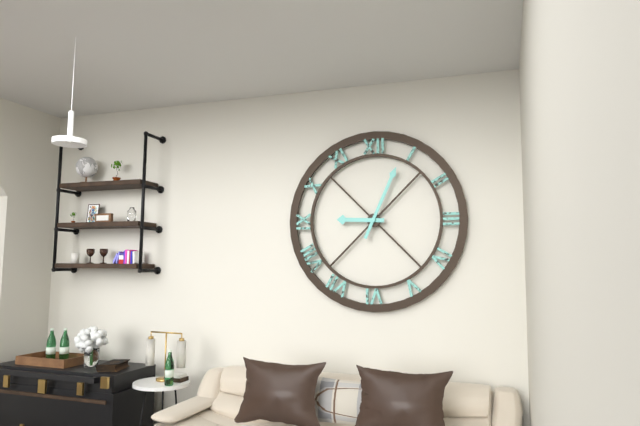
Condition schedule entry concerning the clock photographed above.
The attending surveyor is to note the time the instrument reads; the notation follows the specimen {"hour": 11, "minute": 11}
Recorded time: {"hour": 9, "minute": 4}
